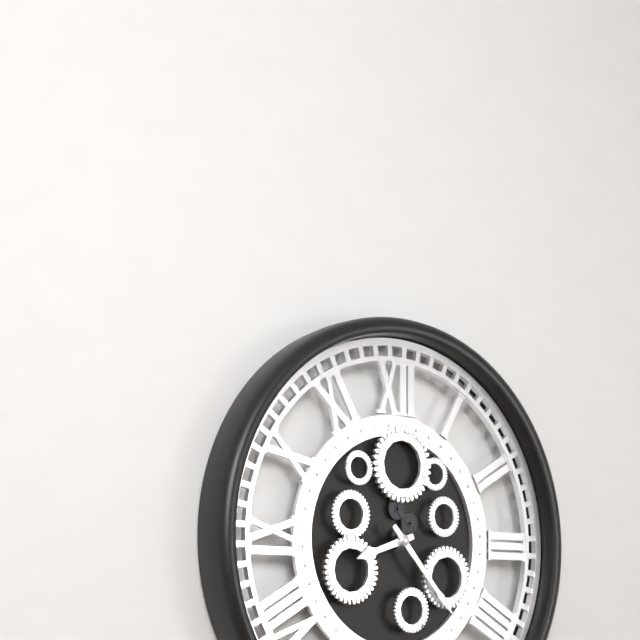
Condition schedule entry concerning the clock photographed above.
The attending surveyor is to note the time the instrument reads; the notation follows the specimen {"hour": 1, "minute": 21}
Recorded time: {"hour": 8, "minute": 23}
